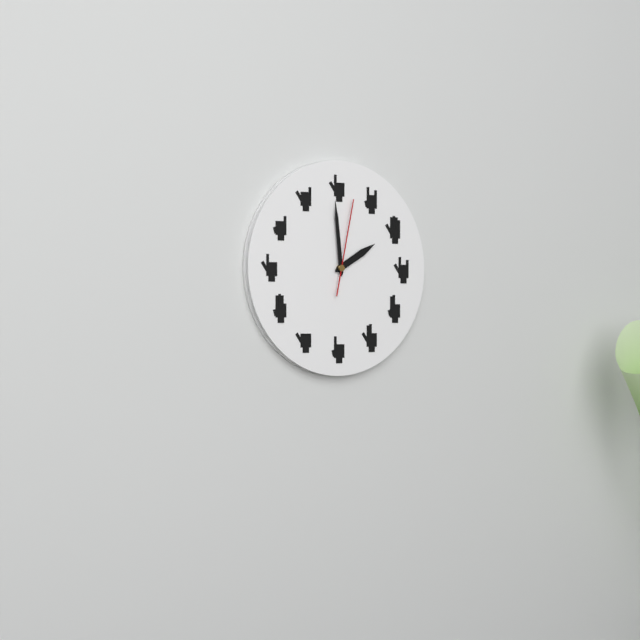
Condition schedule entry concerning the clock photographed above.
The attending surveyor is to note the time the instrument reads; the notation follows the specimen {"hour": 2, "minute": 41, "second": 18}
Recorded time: {"hour": 1, "minute": 59, "second": 2}
